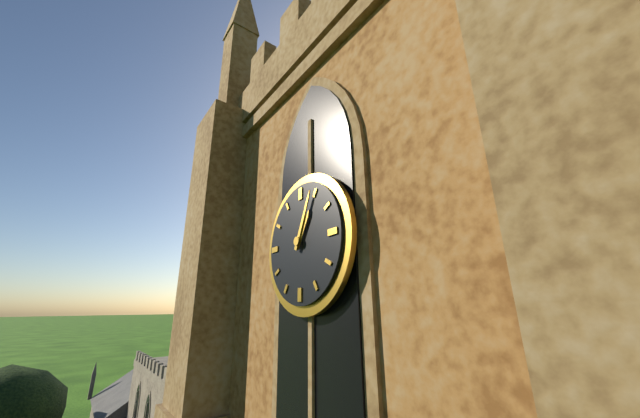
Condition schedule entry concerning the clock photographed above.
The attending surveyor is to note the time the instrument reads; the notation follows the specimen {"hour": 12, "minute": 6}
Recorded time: {"hour": 1, "minute": 4}
